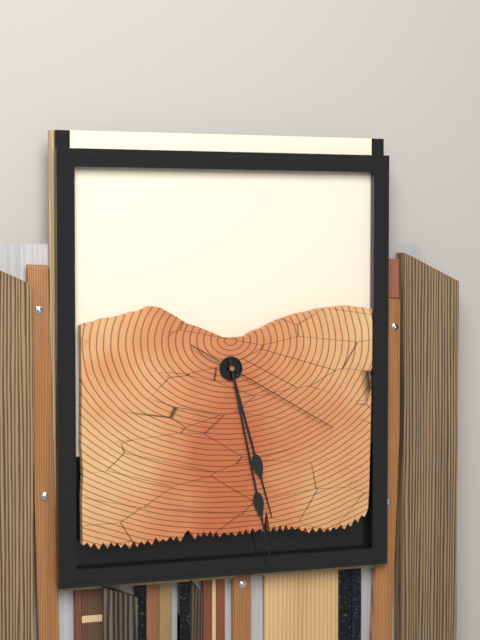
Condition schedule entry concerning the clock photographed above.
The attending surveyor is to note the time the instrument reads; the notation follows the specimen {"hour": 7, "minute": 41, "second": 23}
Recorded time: {"hour": 5, "minute": 28, "second": 20}
